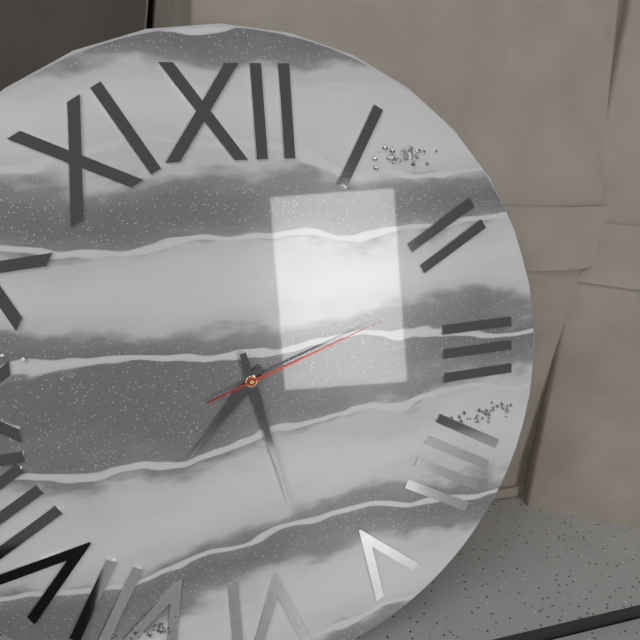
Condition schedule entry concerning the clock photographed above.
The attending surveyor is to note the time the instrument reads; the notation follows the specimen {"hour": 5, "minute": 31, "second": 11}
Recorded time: {"hour": 7, "minute": 28, "second": 12}
